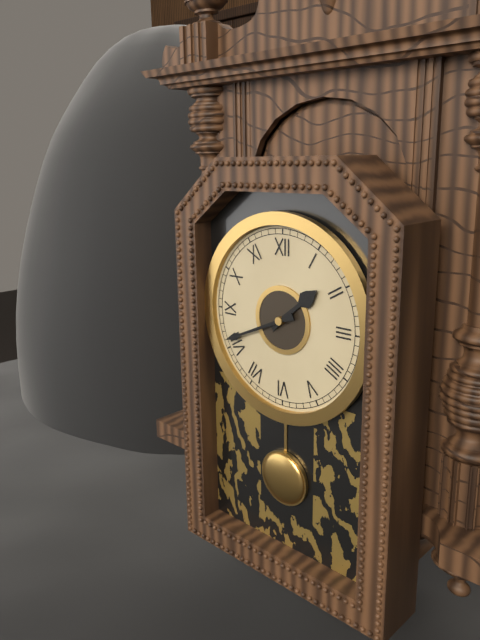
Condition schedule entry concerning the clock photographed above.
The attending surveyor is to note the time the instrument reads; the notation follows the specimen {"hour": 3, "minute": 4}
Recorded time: {"hour": 1, "minute": 41}
